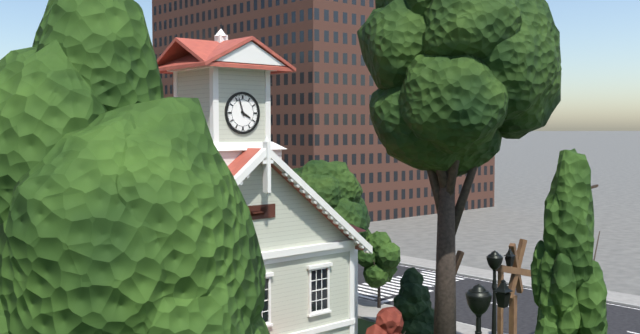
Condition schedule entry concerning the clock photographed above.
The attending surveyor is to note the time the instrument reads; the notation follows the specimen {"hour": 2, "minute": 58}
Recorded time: {"hour": 3, "minute": 57}
